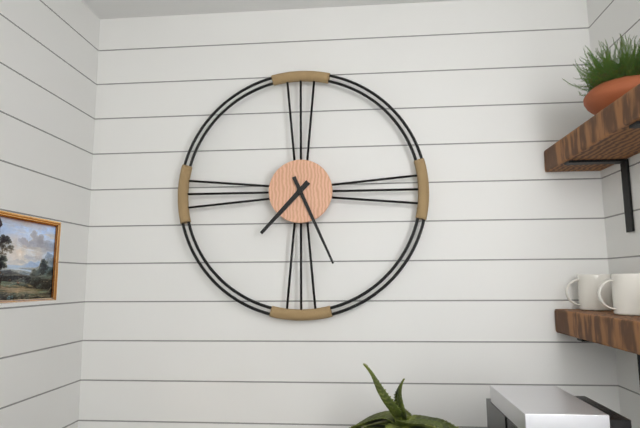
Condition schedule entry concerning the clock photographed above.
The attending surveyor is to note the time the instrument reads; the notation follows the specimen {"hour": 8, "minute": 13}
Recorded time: {"hour": 7, "minute": 26}
